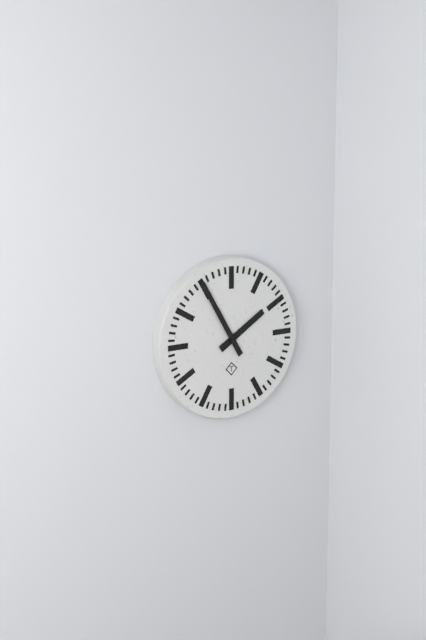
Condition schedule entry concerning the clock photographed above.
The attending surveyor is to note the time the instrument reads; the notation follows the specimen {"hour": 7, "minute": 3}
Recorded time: {"hour": 1, "minute": 55}
